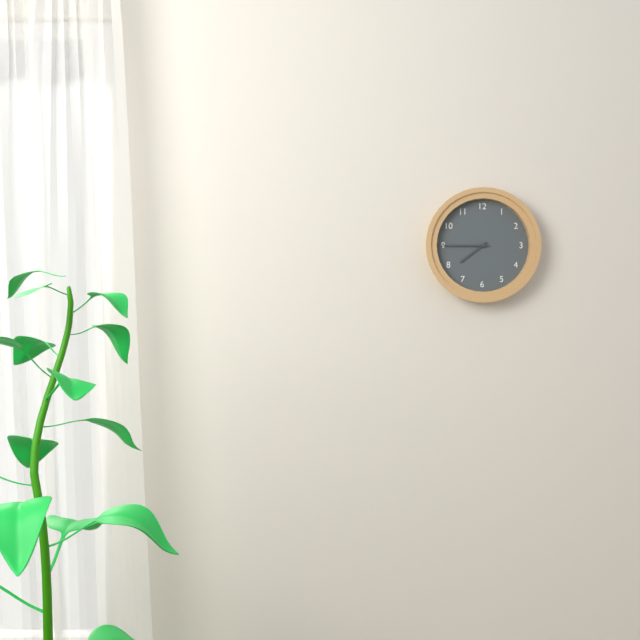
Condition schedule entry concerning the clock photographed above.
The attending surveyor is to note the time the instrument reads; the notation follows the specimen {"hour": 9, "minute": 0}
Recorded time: {"hour": 7, "minute": 45}
